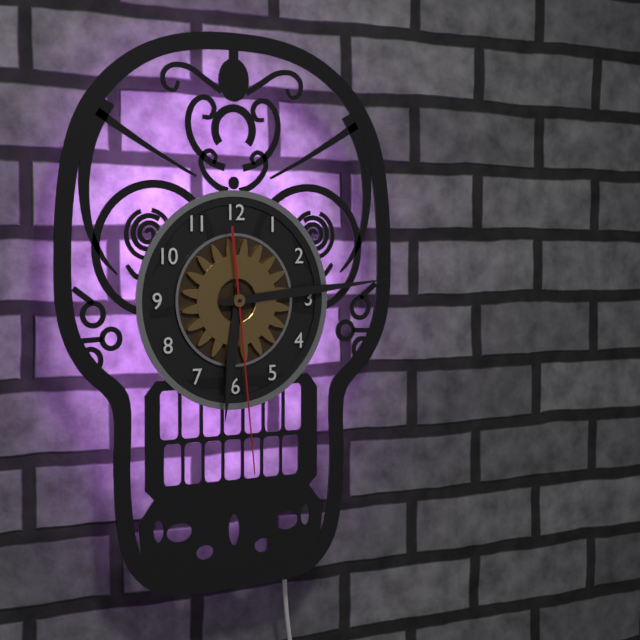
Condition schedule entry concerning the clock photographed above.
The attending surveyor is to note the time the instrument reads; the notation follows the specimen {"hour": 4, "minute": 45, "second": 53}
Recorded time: {"hour": 6, "minute": 14, "second": 29}
